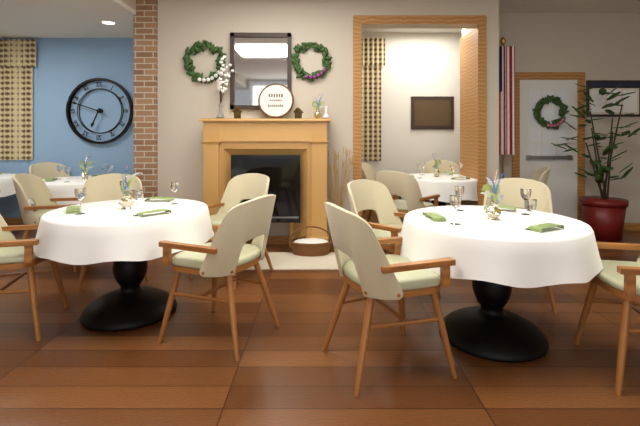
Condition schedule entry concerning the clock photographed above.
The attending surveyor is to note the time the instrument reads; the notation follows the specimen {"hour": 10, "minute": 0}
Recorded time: {"hour": 6, "minute": 48}
